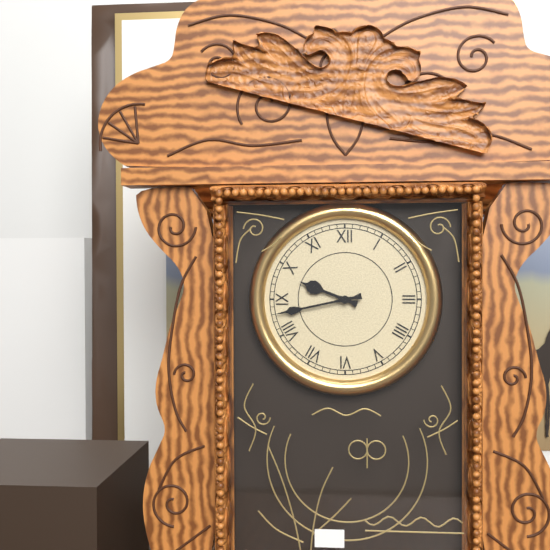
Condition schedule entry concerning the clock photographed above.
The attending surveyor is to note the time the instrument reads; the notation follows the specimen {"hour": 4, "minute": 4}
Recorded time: {"hour": 9, "minute": 43}
